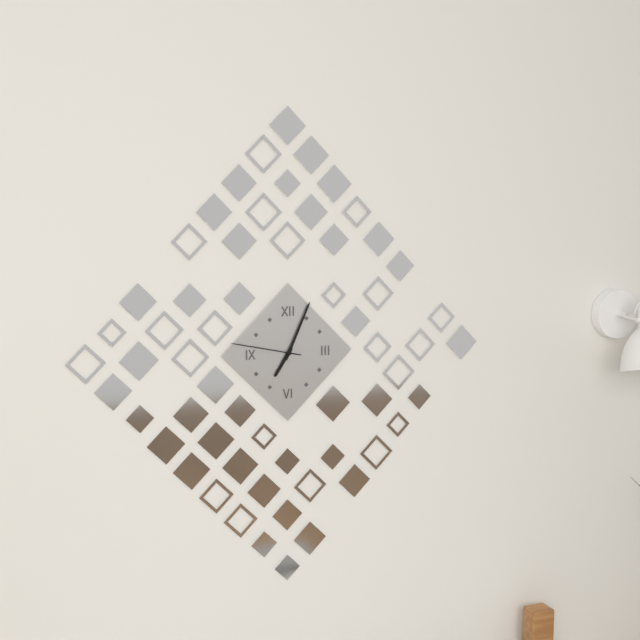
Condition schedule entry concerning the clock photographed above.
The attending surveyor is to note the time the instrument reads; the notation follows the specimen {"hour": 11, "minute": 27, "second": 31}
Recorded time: {"hour": 7, "minute": 4, "second": 47}
